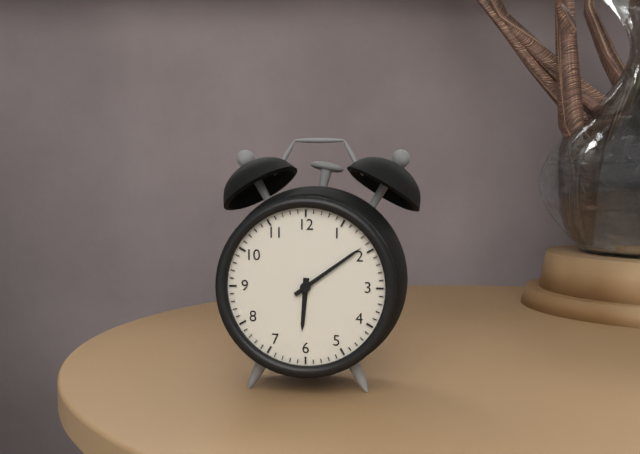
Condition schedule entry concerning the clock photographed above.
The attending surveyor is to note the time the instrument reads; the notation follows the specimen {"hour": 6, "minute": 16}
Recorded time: {"hour": 6, "minute": 9}
